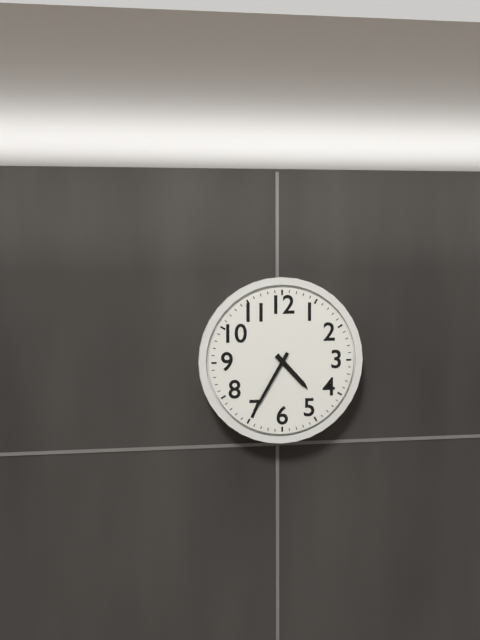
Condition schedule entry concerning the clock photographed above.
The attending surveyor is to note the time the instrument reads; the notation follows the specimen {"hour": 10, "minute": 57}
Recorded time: {"hour": 4, "minute": 35}
